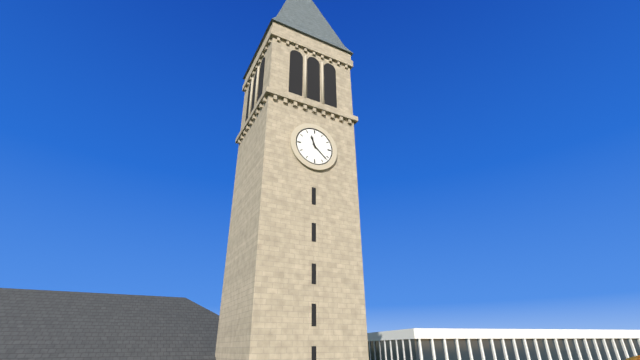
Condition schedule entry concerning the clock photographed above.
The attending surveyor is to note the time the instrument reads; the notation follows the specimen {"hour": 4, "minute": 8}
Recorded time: {"hour": 11, "minute": 22}
